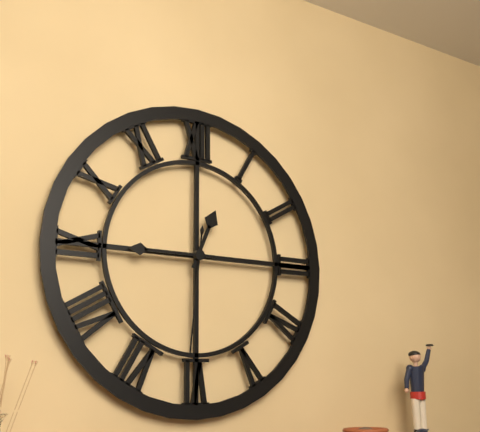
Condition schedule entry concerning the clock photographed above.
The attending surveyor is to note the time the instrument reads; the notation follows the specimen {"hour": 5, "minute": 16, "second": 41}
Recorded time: {"hour": 12, "minute": 45, "second": 31}
